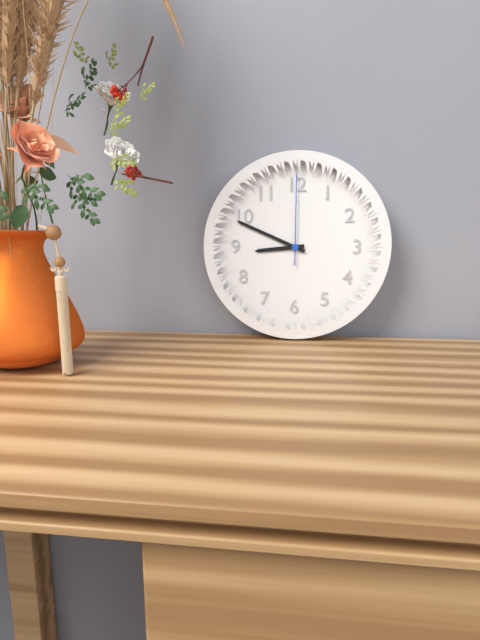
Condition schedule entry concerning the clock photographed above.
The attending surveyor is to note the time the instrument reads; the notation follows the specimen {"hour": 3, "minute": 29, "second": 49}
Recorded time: {"hour": 8, "minute": 49, "second": 0}
